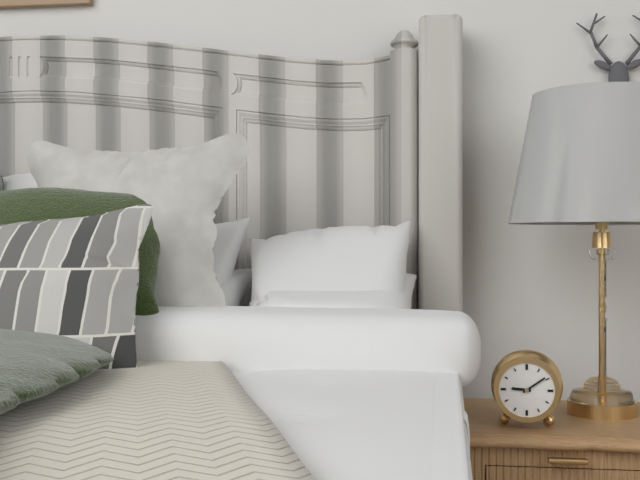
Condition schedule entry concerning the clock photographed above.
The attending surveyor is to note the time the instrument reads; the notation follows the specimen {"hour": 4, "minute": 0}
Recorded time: {"hour": 9, "minute": 9}
